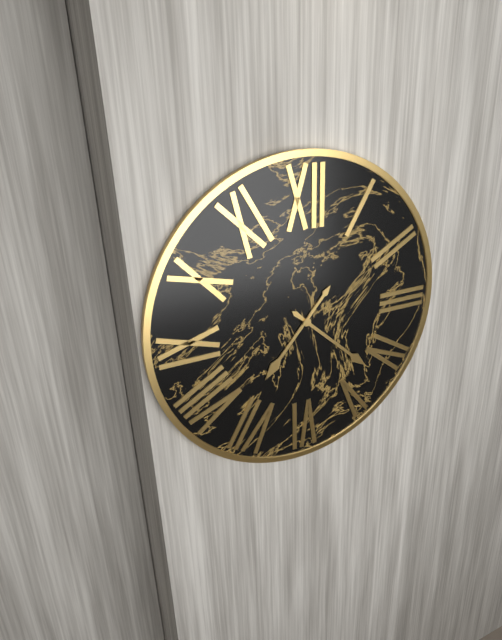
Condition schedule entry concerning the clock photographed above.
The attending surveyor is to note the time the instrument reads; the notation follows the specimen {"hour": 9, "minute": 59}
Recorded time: {"hour": 7, "minute": 22}
